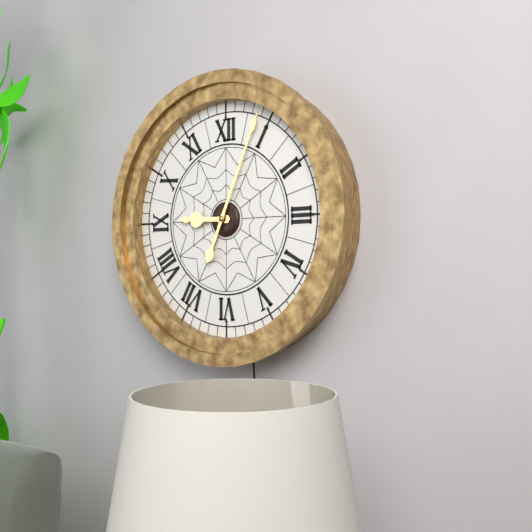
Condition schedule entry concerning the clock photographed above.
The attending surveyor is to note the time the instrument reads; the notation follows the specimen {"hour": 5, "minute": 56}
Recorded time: {"hour": 9, "minute": 4}
